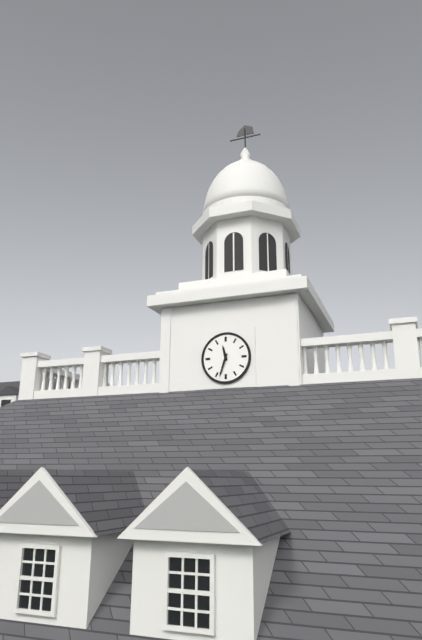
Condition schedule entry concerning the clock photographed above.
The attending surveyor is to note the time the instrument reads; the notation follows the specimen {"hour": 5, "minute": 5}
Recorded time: {"hour": 11, "minute": 33}
